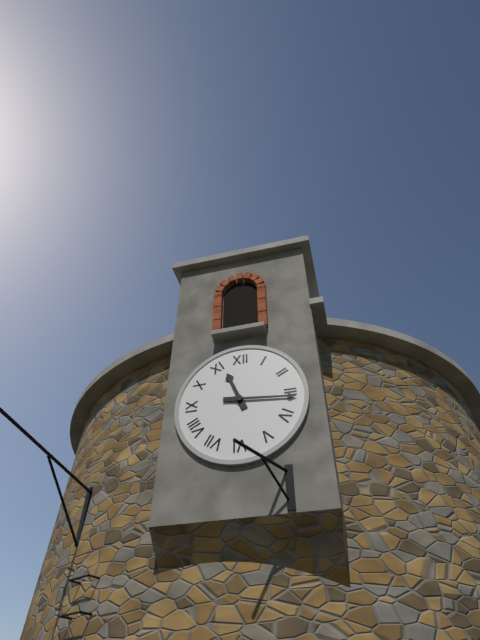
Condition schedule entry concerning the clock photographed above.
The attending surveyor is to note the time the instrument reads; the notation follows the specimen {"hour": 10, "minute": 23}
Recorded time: {"hour": 11, "minute": 16}
